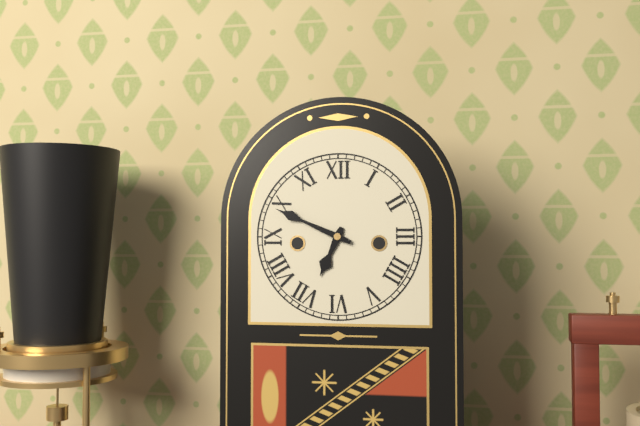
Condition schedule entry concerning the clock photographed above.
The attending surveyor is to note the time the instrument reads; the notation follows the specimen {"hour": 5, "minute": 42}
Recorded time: {"hour": 6, "minute": 49}
